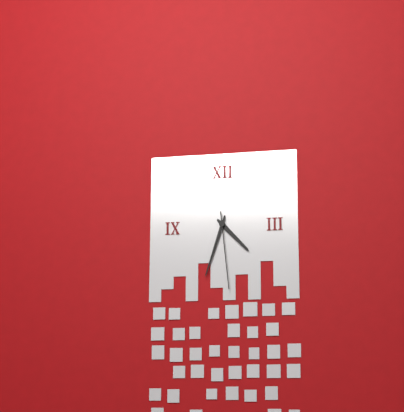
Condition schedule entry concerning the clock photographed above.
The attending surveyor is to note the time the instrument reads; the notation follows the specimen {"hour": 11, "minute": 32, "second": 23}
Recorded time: {"hour": 4, "minute": 33, "second": 29}
